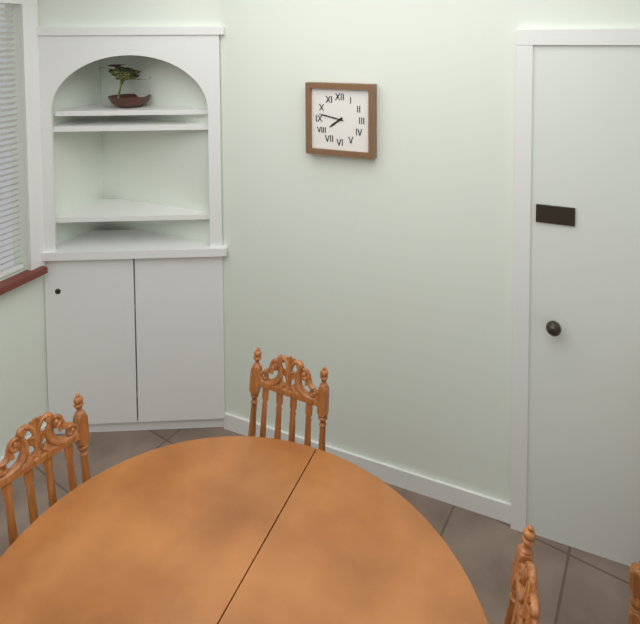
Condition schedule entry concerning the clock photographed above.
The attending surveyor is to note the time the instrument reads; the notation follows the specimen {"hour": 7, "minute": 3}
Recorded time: {"hour": 7, "minute": 47}
